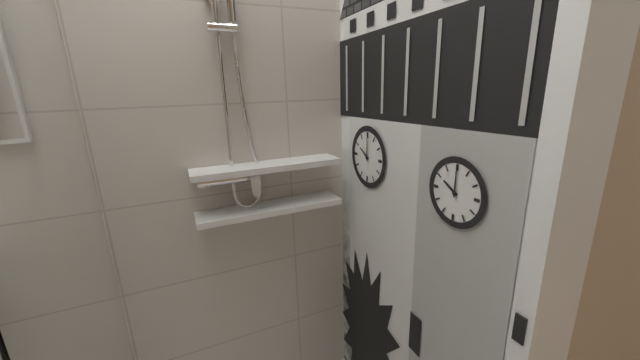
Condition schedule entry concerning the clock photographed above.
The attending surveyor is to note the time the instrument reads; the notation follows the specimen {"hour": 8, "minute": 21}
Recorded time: {"hour": 10, "minute": 0}
